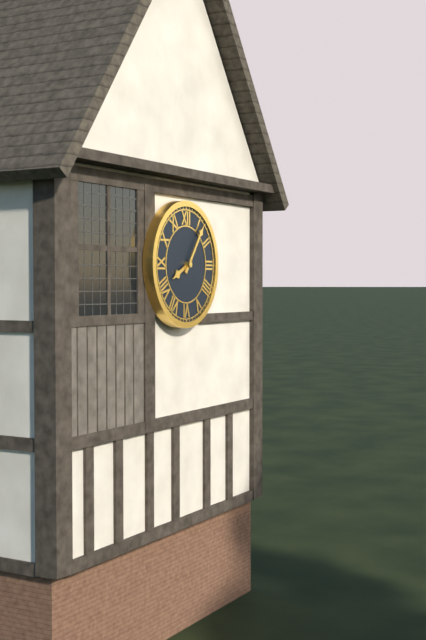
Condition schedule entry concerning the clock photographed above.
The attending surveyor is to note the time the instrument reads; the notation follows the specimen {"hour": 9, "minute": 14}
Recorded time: {"hour": 8, "minute": 6}
